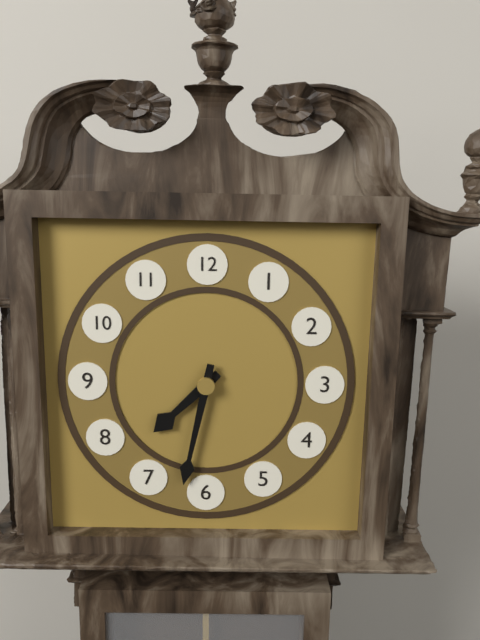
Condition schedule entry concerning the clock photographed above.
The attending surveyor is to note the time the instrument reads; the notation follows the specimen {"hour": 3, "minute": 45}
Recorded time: {"hour": 7, "minute": 32}
